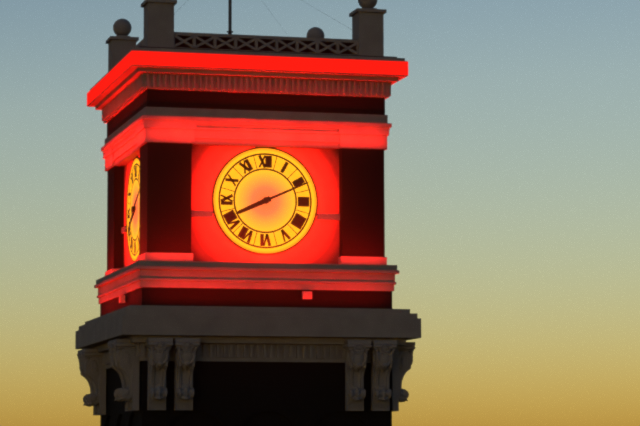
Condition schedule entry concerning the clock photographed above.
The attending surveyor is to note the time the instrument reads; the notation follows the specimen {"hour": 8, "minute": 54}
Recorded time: {"hour": 8, "minute": 11}
